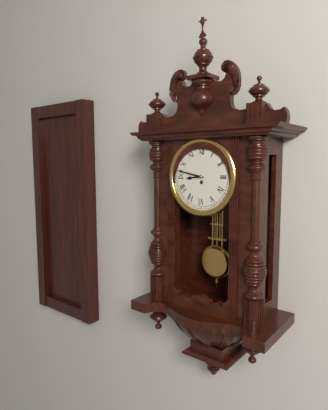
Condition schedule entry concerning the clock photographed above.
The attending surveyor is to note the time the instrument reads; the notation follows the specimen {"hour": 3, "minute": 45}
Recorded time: {"hour": 8, "minute": 47}
